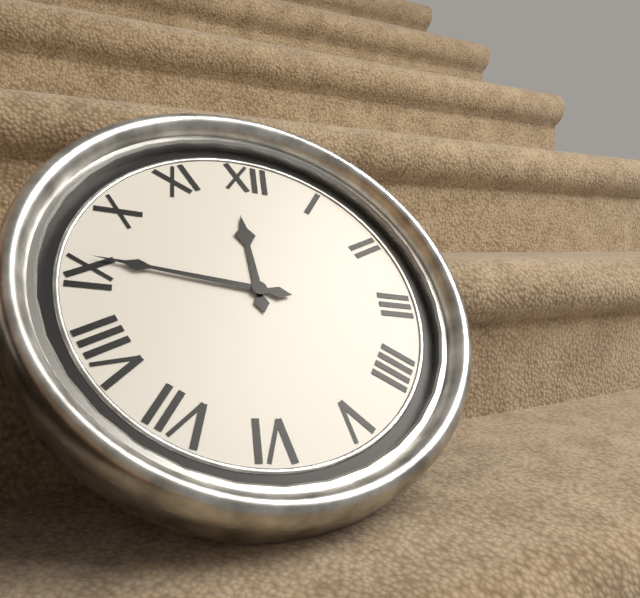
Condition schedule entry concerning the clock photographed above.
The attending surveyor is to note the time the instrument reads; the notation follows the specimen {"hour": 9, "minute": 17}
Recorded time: {"hour": 11, "minute": 46}
